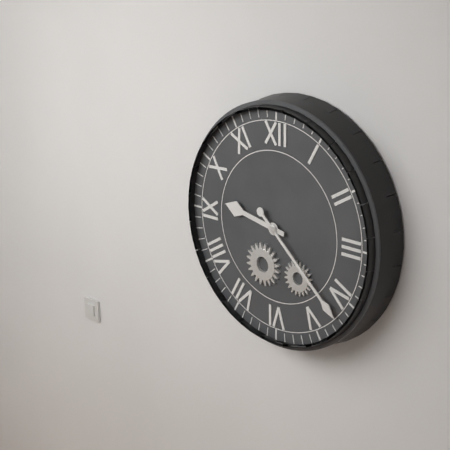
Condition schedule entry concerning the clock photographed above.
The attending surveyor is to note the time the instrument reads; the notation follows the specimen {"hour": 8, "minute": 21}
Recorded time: {"hour": 9, "minute": 22}
